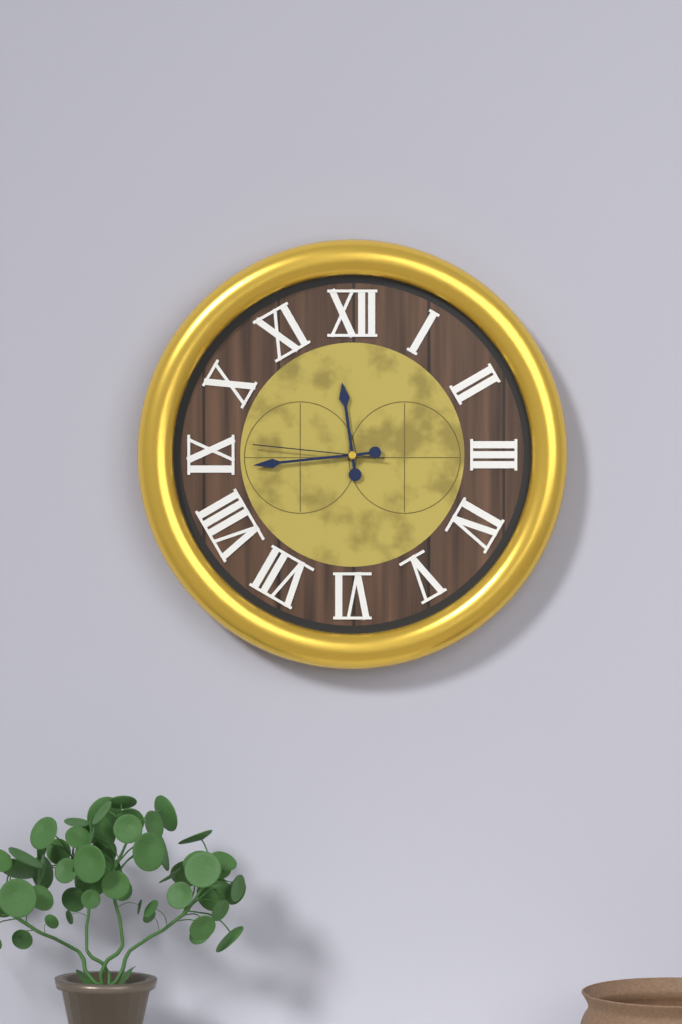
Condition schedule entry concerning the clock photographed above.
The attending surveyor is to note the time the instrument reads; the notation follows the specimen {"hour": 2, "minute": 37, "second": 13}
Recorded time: {"hour": 11, "minute": 44, "second": 46}
